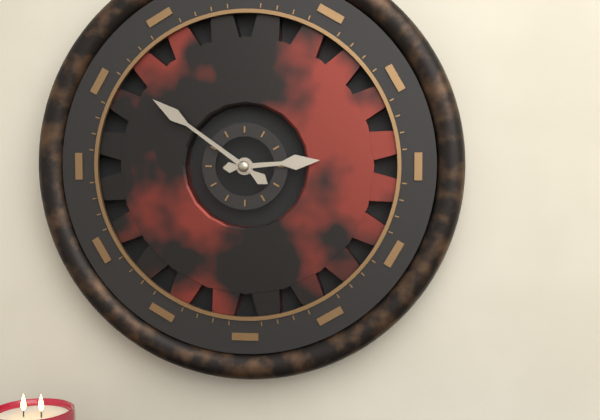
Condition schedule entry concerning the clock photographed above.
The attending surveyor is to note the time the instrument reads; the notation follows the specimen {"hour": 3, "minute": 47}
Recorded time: {"hour": 2, "minute": 51}
